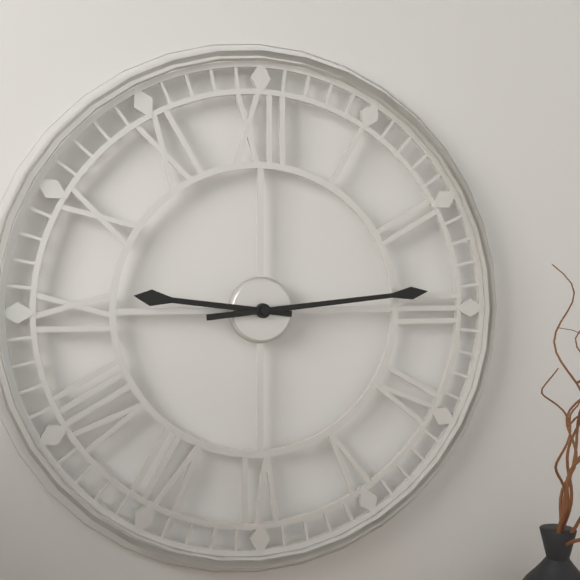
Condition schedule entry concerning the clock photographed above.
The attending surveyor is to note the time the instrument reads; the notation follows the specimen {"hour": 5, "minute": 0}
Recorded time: {"hour": 9, "minute": 14}
